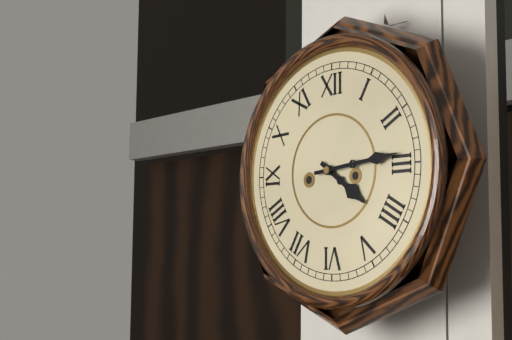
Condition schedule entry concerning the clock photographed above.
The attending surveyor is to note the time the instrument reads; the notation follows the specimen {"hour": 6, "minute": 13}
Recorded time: {"hour": 4, "minute": 14}
